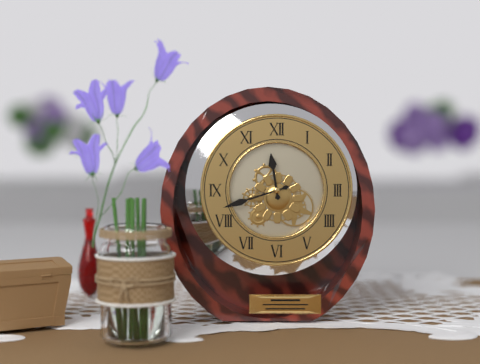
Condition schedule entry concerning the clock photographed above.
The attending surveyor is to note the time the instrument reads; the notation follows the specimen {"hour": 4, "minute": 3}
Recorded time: {"hour": 11, "minute": 42}
